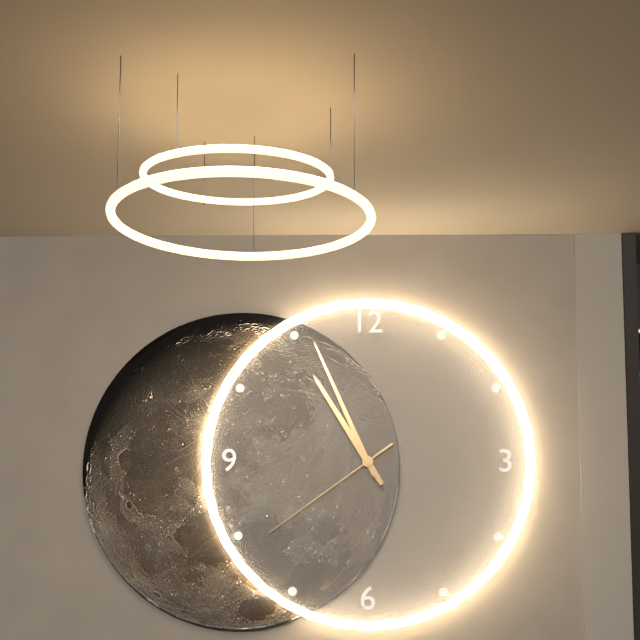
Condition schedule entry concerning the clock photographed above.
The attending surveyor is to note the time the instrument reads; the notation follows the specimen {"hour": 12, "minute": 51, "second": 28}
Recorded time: {"hour": 10, "minute": 56, "second": 39}
